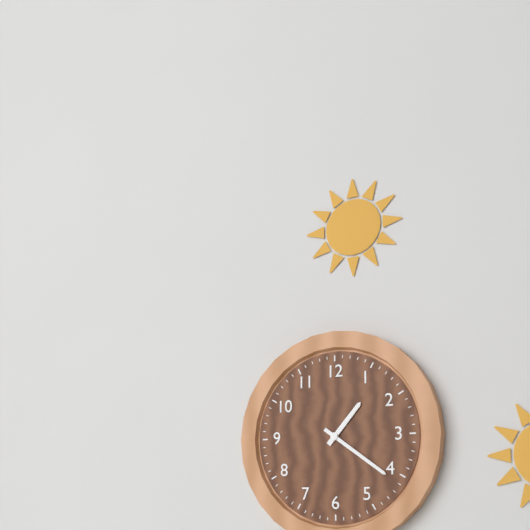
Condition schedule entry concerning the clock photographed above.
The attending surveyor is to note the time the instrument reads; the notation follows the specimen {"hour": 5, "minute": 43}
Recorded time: {"hour": 1, "minute": 21}
